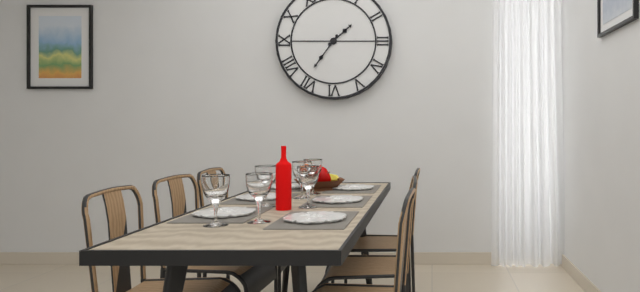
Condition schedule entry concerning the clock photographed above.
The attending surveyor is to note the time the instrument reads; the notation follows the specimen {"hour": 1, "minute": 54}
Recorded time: {"hour": 1, "minute": 36}
